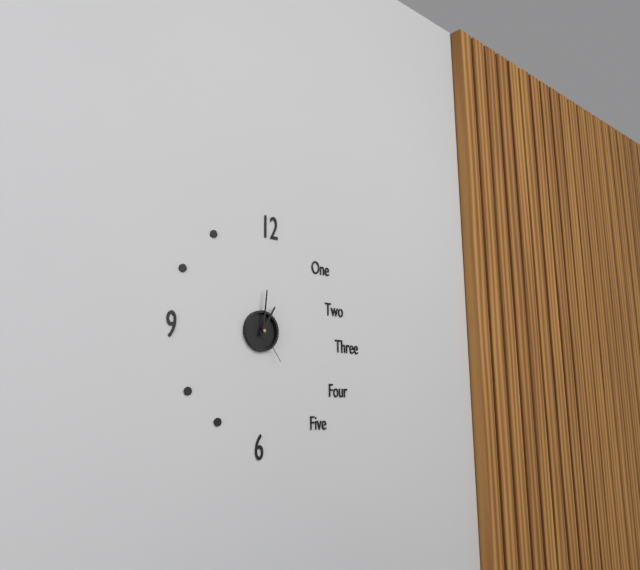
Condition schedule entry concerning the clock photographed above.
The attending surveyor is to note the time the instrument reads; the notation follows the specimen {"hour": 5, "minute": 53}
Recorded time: {"hour": 1, "minute": 1}
